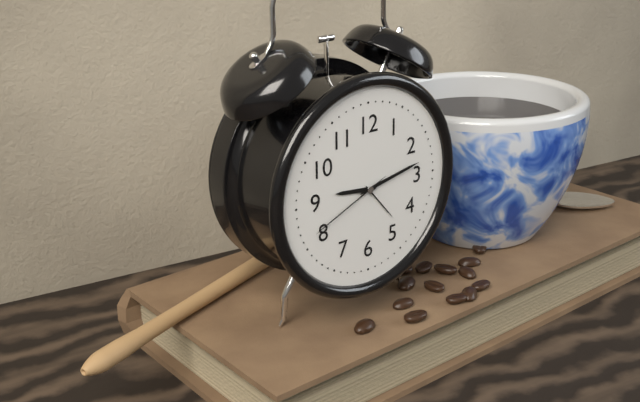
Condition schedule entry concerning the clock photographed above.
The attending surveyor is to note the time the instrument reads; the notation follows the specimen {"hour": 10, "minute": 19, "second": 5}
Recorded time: {"hour": 9, "minute": 13, "second": 41}
